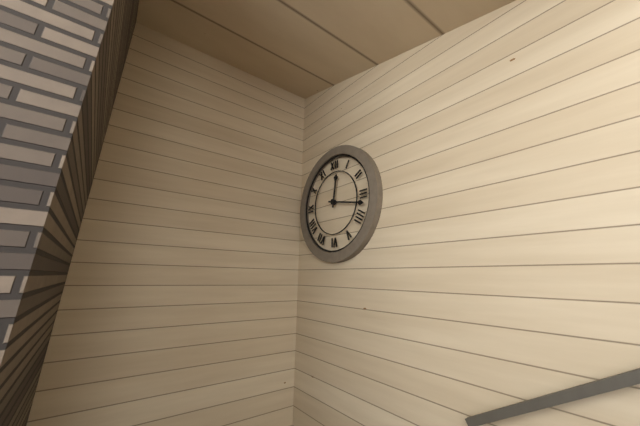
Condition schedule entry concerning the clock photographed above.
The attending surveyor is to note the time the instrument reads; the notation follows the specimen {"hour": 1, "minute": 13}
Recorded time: {"hour": 12, "minute": 17}
